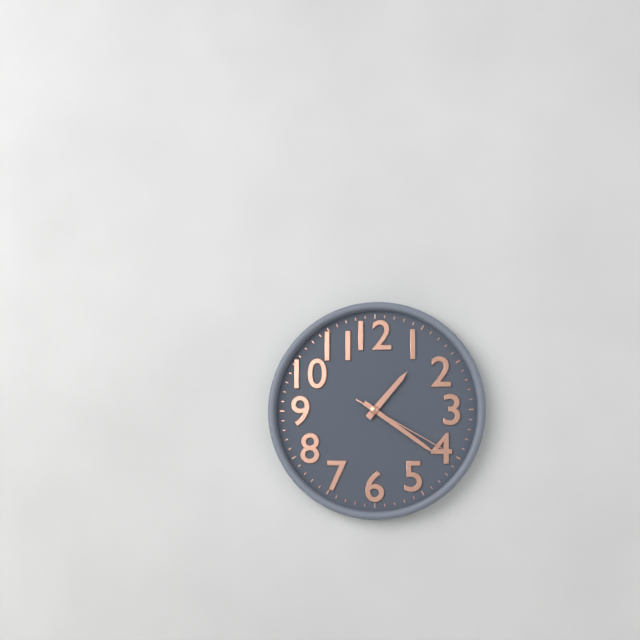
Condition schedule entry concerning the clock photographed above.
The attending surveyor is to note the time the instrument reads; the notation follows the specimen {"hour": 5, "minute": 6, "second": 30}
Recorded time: {"hour": 1, "minute": 21, "second": 20}
